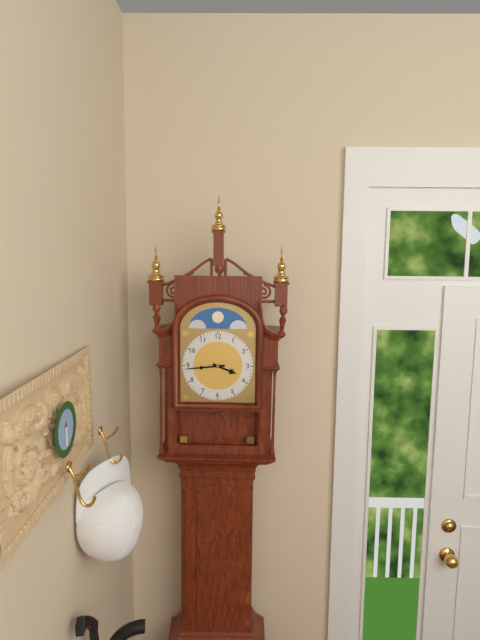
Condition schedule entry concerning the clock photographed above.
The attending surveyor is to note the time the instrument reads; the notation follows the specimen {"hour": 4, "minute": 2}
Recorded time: {"hour": 3, "minute": 44}
